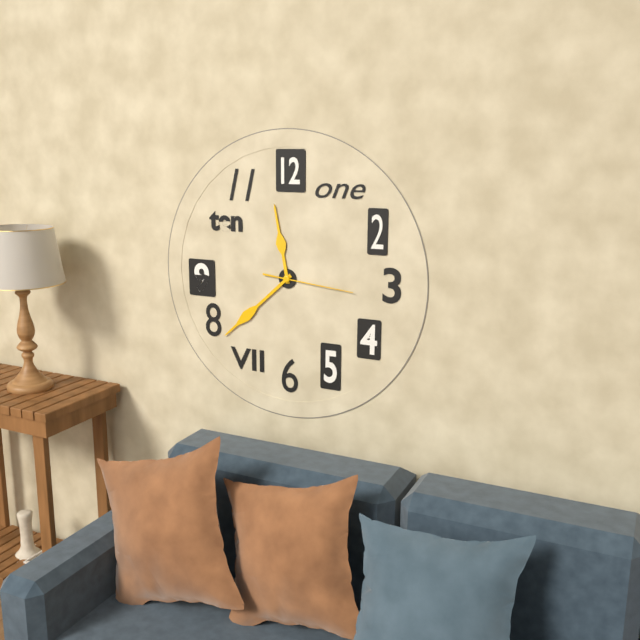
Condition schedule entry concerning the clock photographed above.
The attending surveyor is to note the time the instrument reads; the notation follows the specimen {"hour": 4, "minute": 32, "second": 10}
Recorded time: {"hour": 11, "minute": 38, "second": 16}
